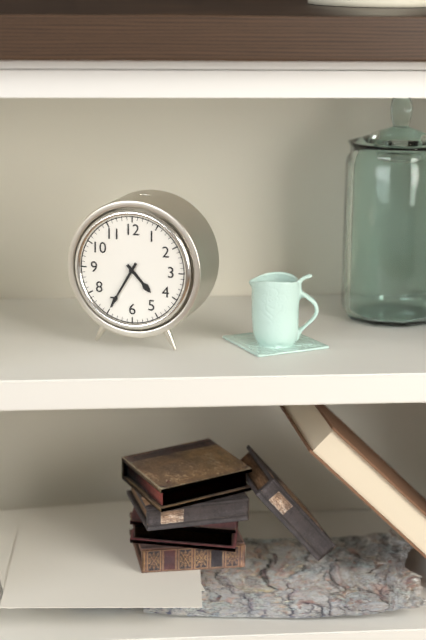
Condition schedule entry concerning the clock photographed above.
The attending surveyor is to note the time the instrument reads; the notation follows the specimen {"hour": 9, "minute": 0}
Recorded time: {"hour": 4, "minute": 35}
